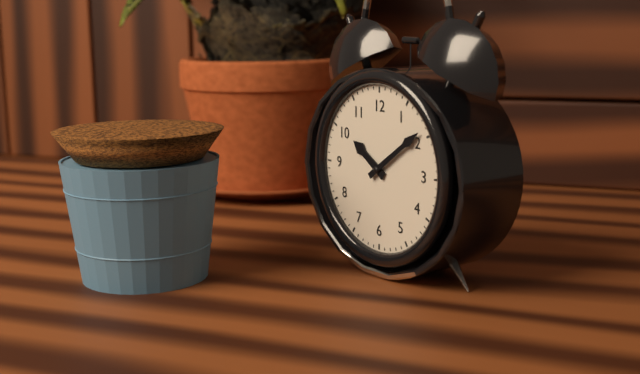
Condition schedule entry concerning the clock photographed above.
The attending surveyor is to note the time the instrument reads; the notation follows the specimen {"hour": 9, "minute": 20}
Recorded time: {"hour": 10, "minute": 9}
